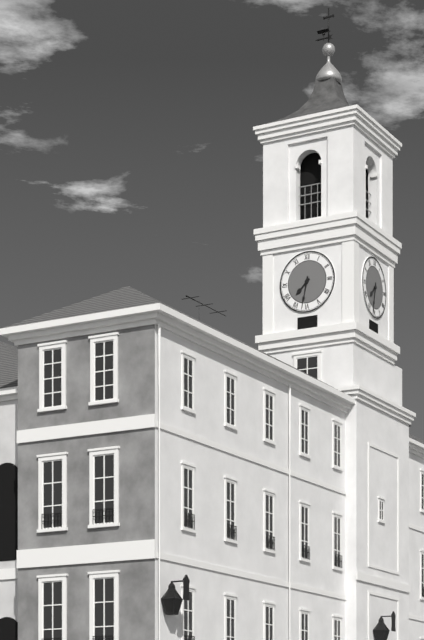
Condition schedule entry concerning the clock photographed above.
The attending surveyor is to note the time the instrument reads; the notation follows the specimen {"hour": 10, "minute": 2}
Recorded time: {"hour": 7, "minute": 32}
